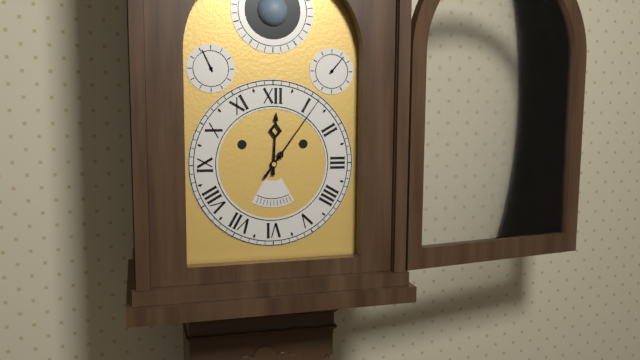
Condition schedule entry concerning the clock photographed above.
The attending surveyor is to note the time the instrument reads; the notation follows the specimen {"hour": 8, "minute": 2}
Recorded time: {"hour": 12, "minute": 6}
